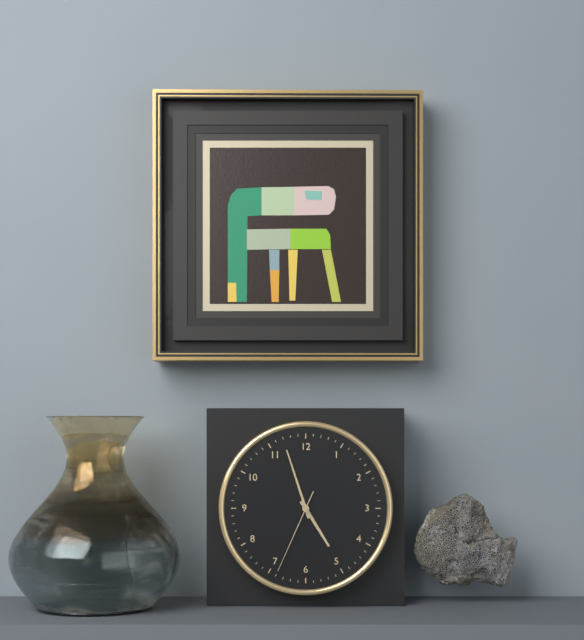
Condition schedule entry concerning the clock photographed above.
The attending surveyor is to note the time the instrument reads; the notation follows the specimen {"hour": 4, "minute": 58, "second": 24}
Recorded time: {"hour": 4, "minute": 57, "second": 34}
